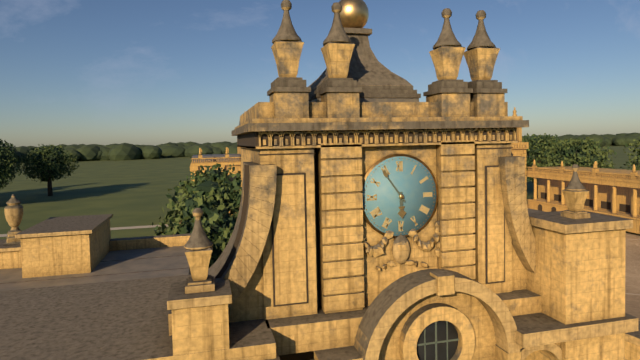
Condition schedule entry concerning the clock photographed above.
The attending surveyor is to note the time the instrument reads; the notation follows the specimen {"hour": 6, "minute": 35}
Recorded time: {"hour": 5, "minute": 54}
